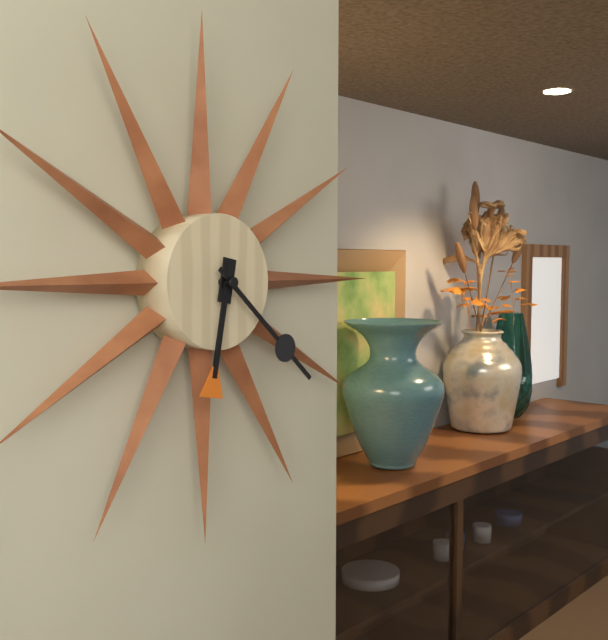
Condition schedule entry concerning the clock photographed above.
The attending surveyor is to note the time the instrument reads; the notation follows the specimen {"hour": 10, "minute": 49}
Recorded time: {"hour": 6, "minute": 22}
